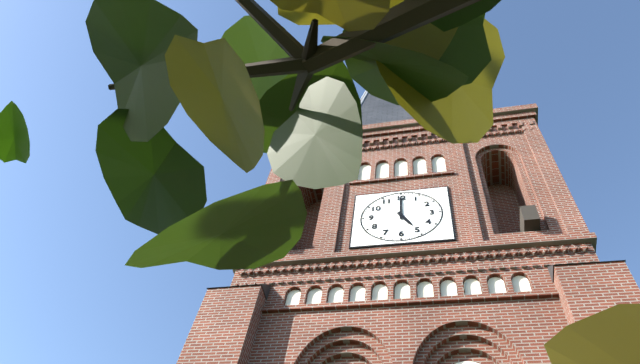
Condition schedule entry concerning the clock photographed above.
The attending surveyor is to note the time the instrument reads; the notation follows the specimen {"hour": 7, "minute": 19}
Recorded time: {"hour": 5, "minute": 0}
